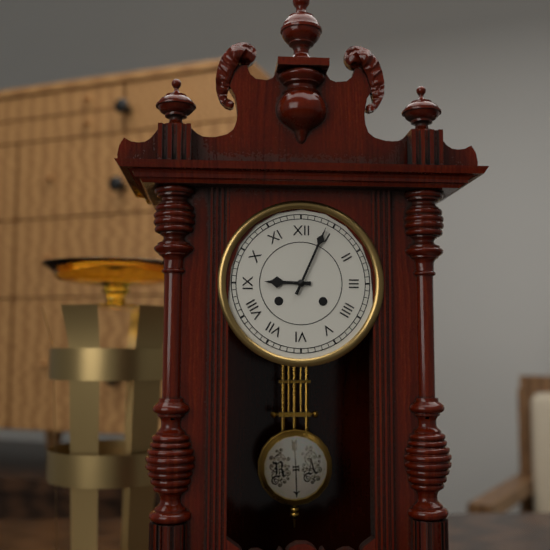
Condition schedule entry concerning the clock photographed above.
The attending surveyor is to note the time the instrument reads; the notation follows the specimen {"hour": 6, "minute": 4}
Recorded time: {"hour": 9, "minute": 4}
